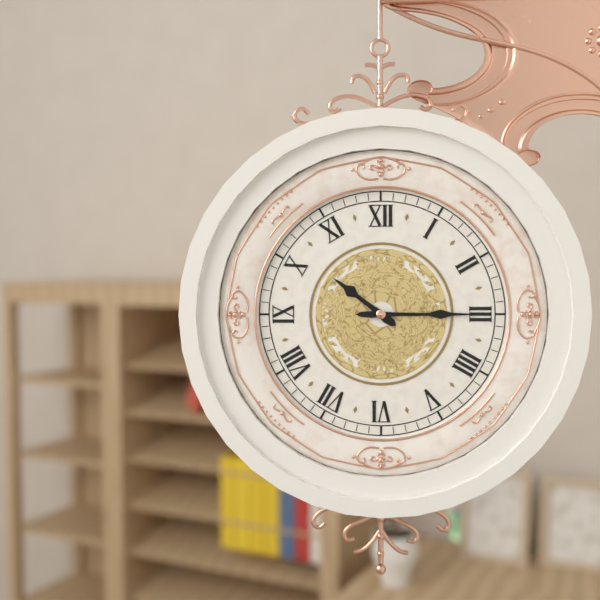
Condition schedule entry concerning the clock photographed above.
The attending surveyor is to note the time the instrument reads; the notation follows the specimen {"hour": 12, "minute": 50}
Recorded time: {"hour": 10, "minute": 15}
